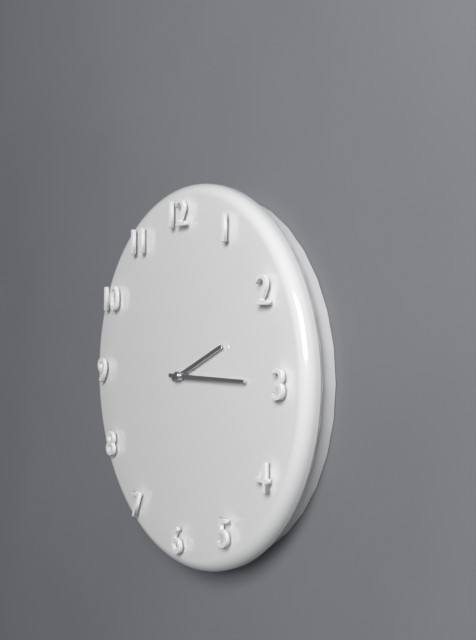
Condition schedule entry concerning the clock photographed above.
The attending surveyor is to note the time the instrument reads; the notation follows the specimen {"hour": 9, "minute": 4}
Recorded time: {"hour": 2, "minute": 15}
